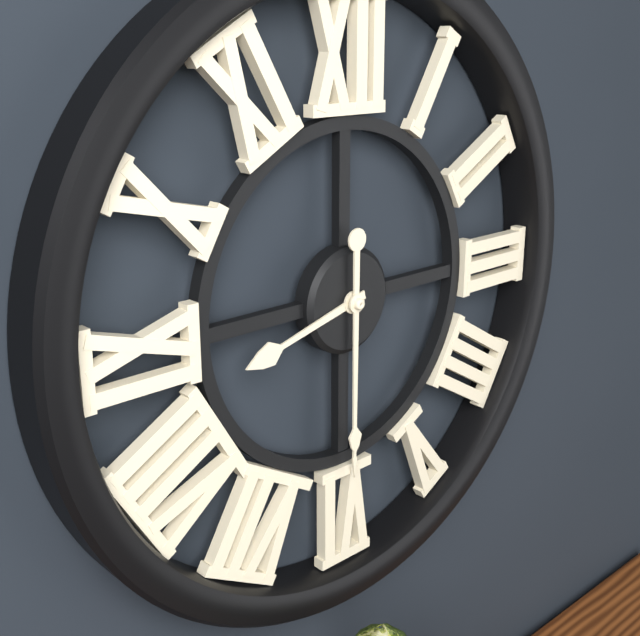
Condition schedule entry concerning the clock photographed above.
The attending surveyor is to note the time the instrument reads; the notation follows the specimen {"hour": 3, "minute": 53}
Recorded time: {"hour": 8, "minute": 30}
